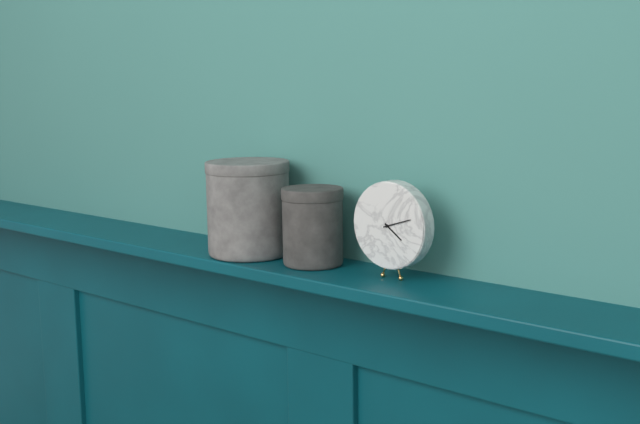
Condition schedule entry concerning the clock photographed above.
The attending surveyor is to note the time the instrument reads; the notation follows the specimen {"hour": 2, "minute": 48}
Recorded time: {"hour": 4, "minute": 12}
